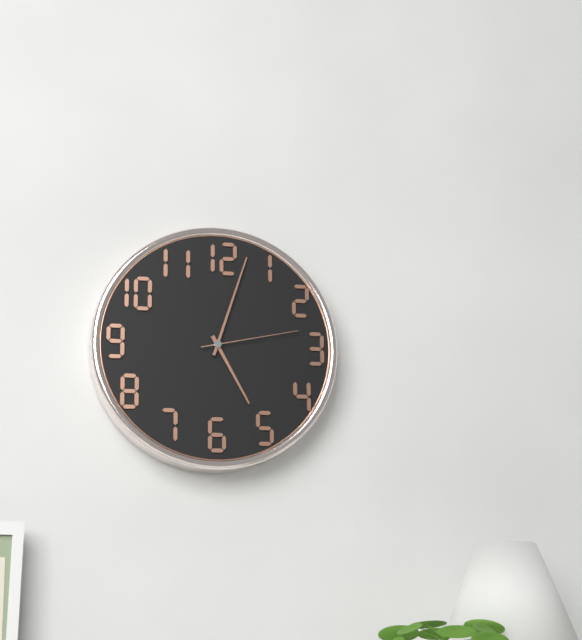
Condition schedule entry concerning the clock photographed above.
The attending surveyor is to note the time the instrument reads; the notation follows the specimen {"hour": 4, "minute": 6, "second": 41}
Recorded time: {"hour": 5, "minute": 3, "second": 13}
